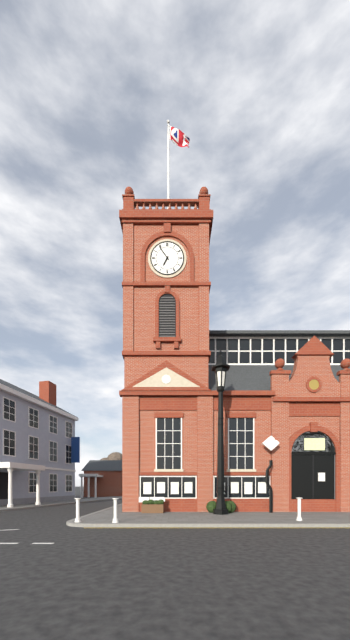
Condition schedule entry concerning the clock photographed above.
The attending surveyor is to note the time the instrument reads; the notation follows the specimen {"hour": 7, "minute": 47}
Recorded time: {"hour": 6, "minute": 54}
